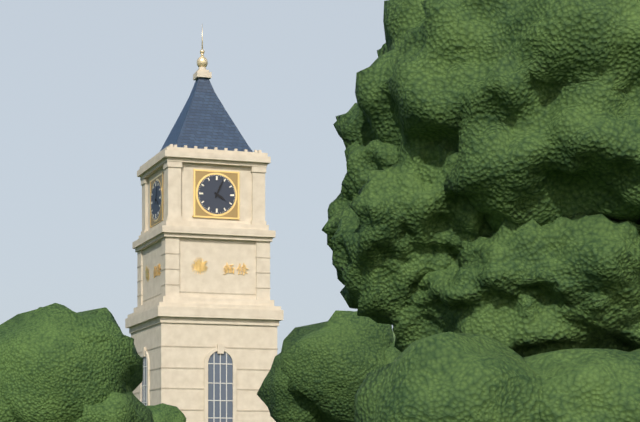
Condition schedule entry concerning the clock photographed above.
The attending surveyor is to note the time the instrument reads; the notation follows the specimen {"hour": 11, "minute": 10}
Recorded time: {"hour": 4, "minute": 4}
